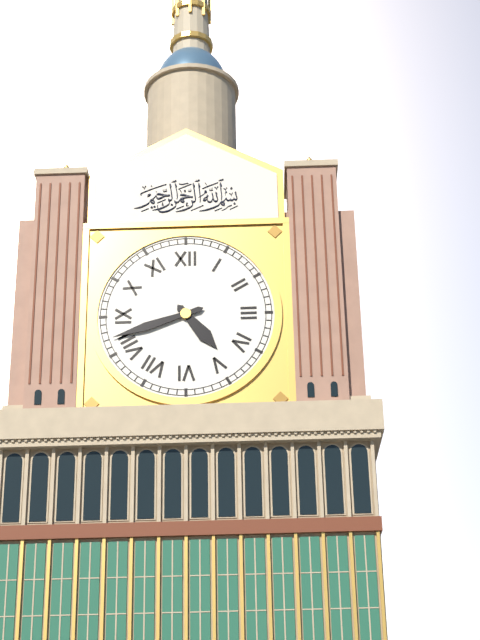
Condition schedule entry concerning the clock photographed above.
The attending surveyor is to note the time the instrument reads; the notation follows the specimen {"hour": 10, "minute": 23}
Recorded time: {"hour": 4, "minute": 42}
